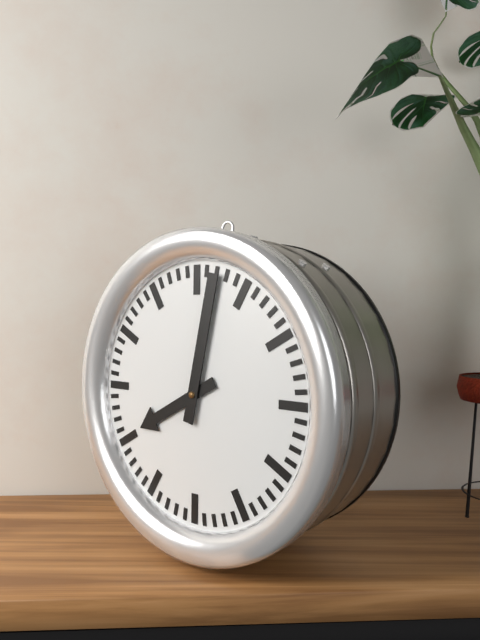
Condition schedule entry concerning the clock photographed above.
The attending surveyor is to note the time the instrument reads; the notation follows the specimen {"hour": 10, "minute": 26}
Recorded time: {"hour": 8, "minute": 2}
